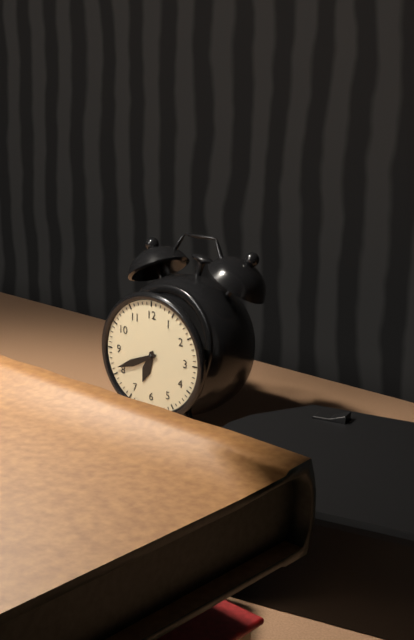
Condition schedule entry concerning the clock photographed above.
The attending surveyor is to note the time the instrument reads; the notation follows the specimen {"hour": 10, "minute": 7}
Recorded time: {"hour": 6, "minute": 41}
